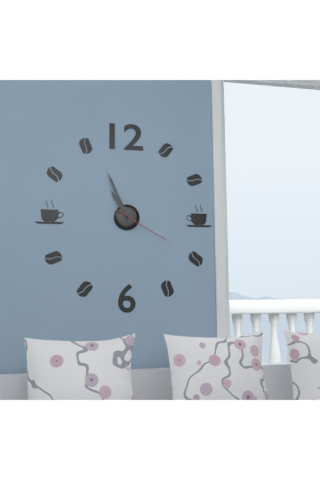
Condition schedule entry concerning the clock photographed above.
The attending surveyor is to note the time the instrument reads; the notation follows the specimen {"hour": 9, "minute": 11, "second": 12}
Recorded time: {"hour": 10, "minute": 56, "second": 20}
